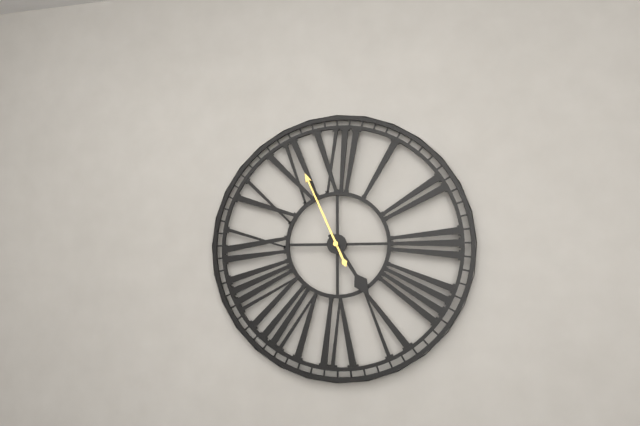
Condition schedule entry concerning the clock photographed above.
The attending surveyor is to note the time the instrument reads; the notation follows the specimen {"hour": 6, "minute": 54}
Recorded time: {"hour": 4, "minute": 56}
